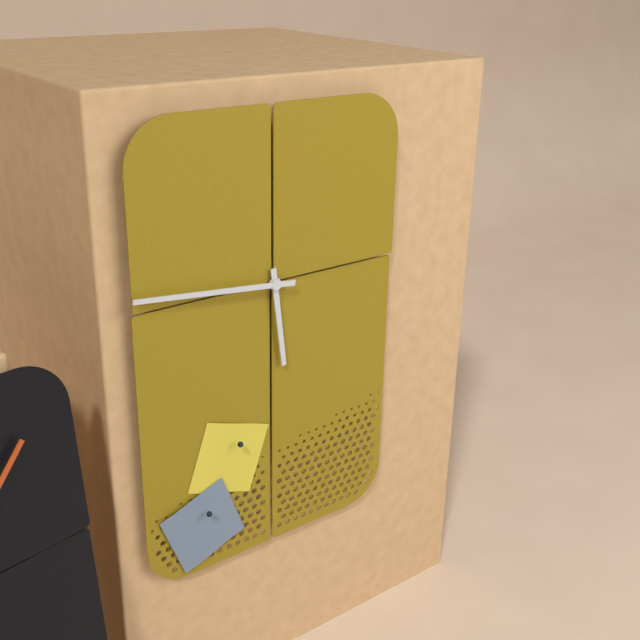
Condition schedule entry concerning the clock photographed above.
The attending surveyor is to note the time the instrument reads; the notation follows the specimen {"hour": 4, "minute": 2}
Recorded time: {"hour": 5, "minute": 46}
